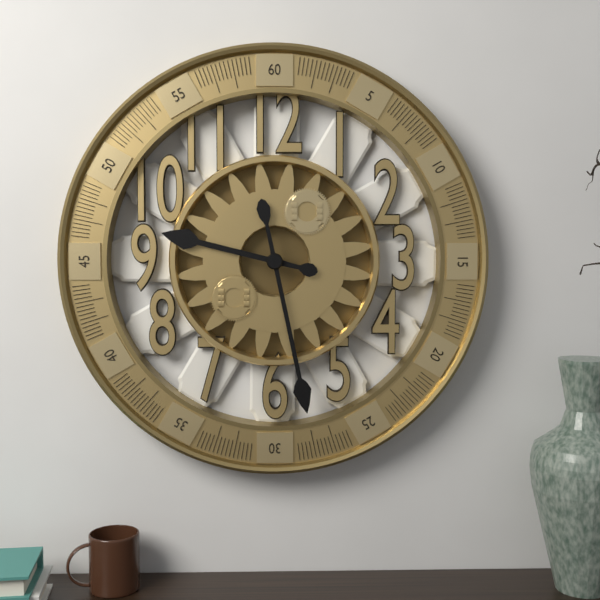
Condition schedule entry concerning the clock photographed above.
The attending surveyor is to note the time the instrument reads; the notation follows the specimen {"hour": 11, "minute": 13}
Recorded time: {"hour": 9, "minute": 28}
